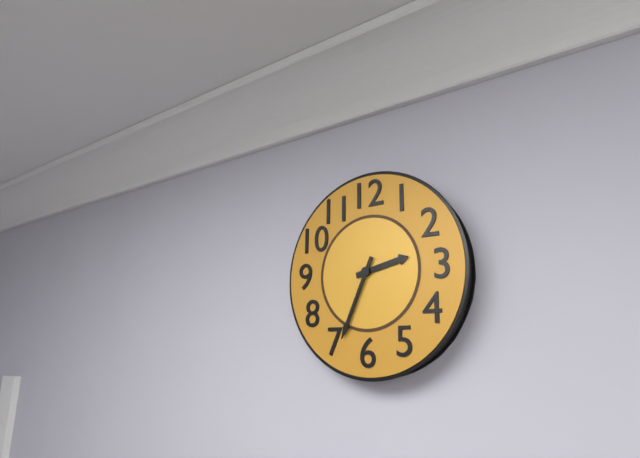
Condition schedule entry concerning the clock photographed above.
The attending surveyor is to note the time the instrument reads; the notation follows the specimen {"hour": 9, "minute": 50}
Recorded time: {"hour": 2, "minute": 34}
